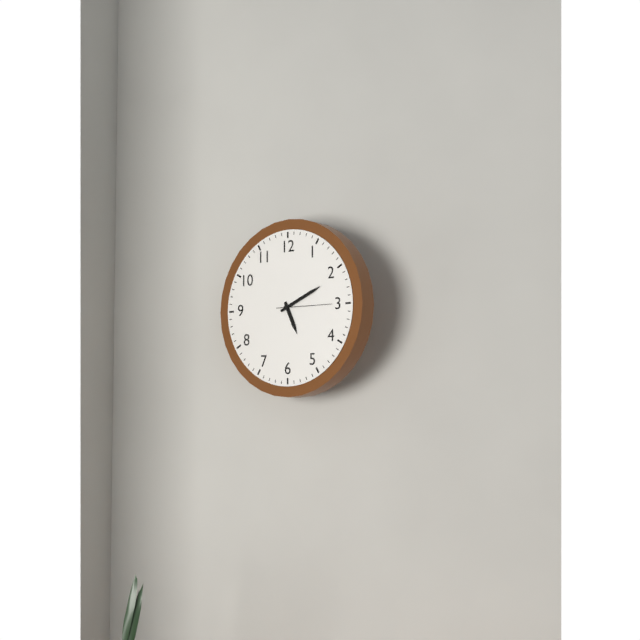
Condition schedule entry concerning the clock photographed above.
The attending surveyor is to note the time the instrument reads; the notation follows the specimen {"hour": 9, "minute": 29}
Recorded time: {"hour": 5, "minute": 11}
